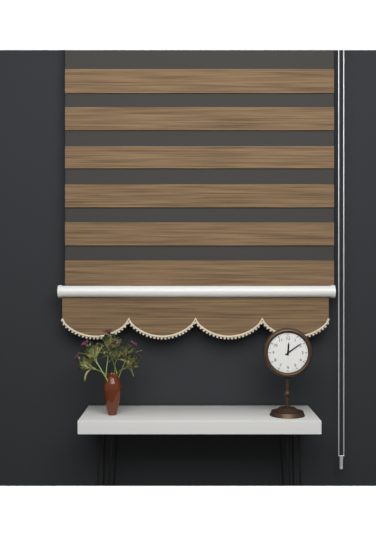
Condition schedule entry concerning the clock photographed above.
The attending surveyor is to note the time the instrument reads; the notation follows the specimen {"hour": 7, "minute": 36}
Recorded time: {"hour": 12, "minute": 9}
